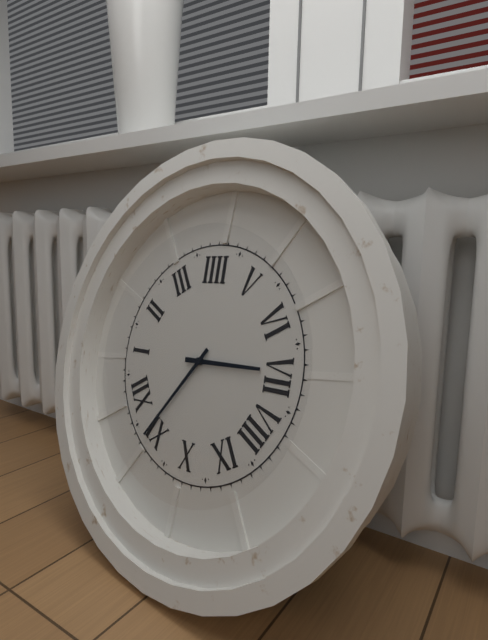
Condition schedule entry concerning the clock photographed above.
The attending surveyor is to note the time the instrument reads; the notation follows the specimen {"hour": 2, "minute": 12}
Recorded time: {"hour": 6, "minute": 56}
